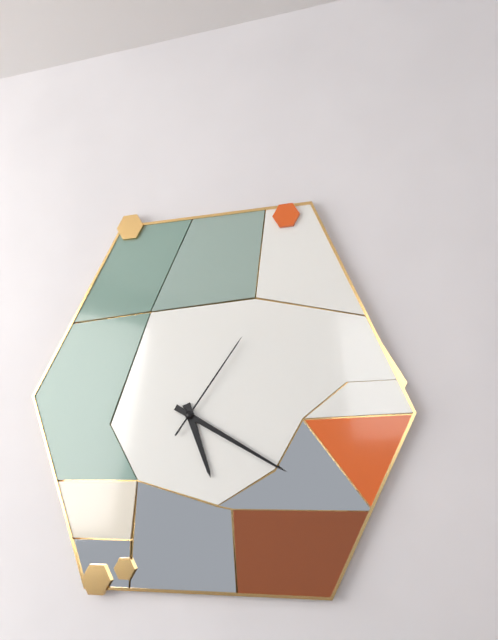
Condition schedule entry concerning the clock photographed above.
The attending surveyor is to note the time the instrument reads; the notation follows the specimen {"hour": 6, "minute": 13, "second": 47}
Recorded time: {"hour": 5, "minute": 20, "second": 6}
